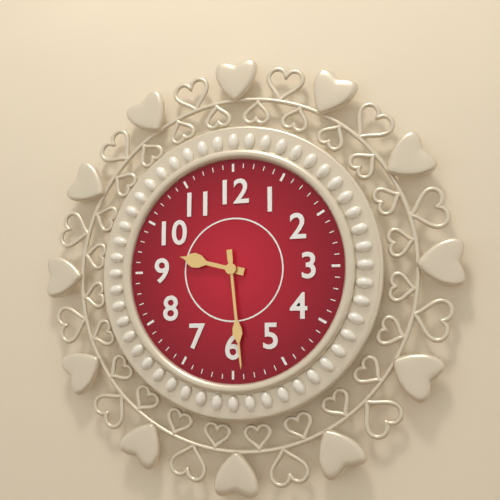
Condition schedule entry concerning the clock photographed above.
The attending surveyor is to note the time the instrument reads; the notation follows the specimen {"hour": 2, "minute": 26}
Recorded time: {"hour": 9, "minute": 29}
